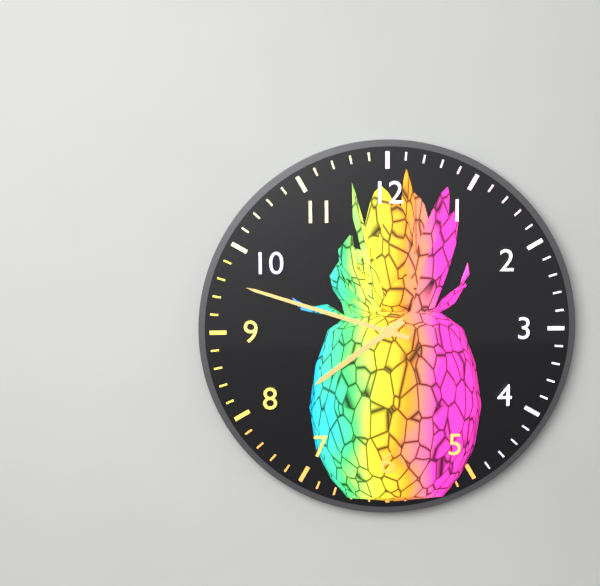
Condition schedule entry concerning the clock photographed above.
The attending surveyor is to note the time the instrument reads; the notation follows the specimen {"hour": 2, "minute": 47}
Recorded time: {"hour": 7, "minute": 48}
